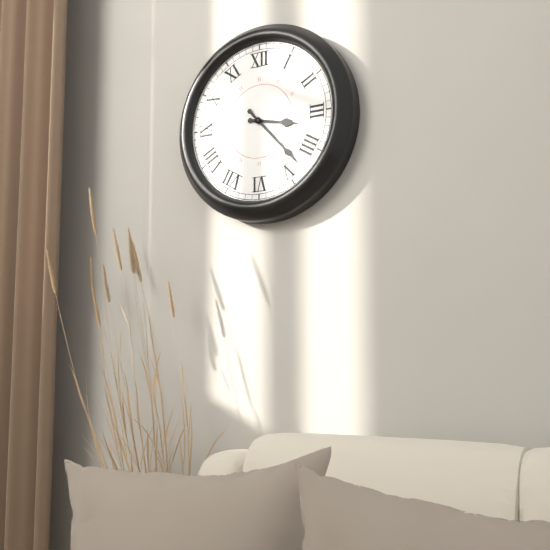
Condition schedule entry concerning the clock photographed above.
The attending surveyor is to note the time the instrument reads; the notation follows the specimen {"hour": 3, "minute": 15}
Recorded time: {"hour": 3, "minute": 23}
